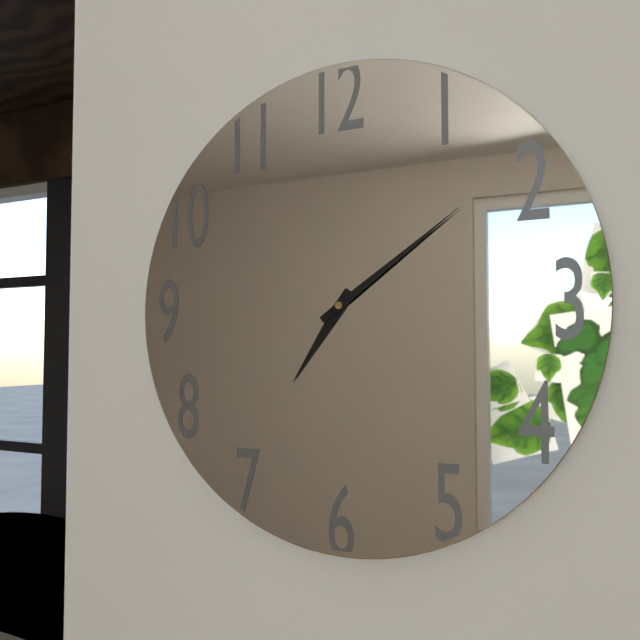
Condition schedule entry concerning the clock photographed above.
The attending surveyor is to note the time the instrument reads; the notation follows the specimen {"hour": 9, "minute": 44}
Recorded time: {"hour": 7, "minute": 9}
